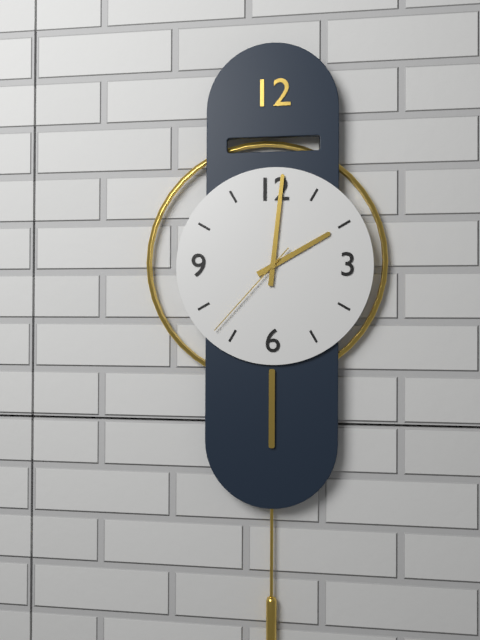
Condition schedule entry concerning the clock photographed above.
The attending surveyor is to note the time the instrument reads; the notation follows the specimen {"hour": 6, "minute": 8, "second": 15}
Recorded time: {"hour": 2, "minute": 1, "second": 37}
